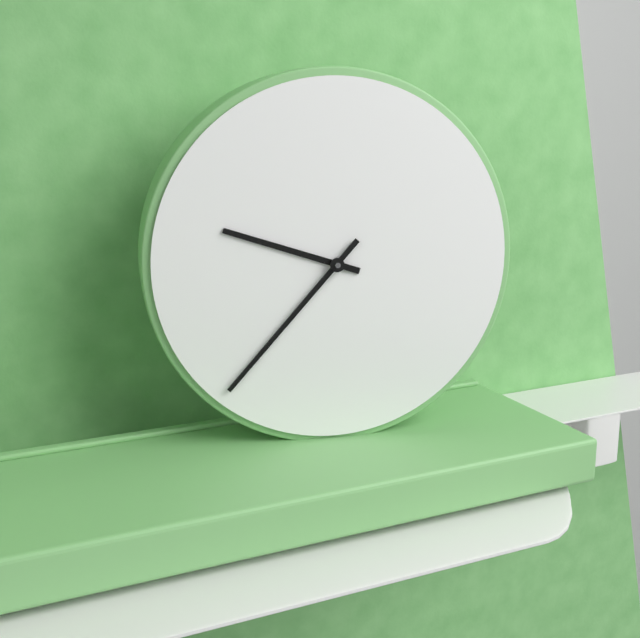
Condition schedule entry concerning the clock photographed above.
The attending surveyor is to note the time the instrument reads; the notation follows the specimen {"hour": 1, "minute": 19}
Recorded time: {"hour": 9, "minute": 37}
